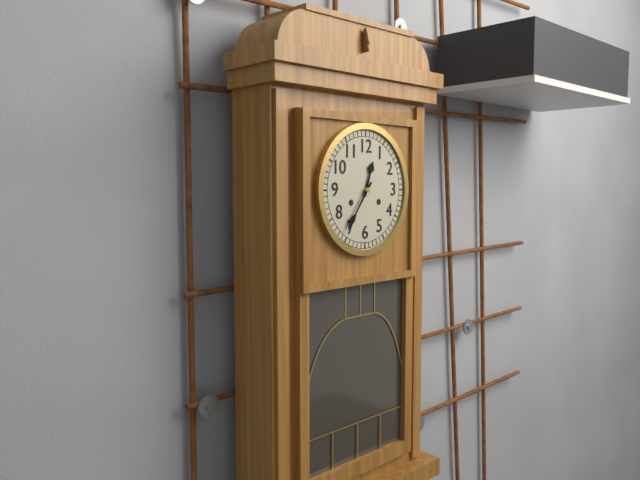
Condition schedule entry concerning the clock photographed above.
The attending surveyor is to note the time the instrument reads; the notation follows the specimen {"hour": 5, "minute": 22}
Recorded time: {"hour": 12, "minute": 36}
